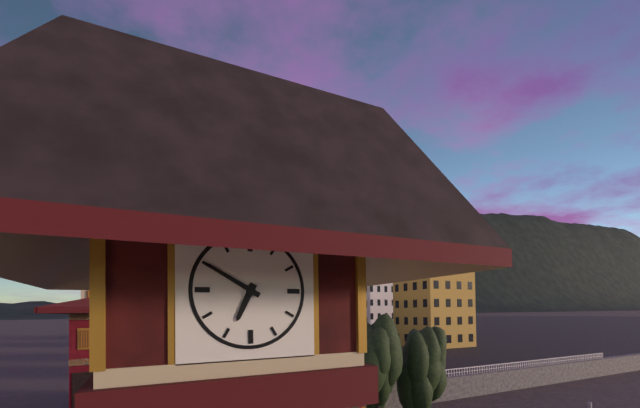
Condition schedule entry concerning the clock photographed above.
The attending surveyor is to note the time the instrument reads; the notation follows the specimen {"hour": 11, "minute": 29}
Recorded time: {"hour": 6, "minute": 50}
